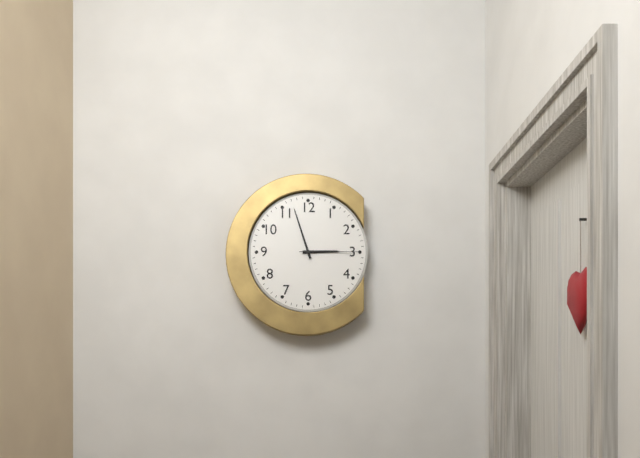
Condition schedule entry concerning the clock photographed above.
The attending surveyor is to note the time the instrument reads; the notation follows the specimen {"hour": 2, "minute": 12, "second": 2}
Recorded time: {"hour": 2, "minute": 57, "second": 15}
